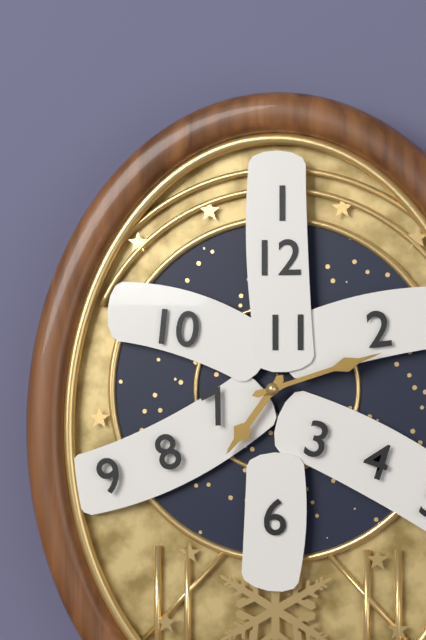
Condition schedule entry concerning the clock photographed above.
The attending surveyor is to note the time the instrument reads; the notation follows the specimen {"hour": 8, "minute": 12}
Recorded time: {"hour": 7, "minute": 12}
